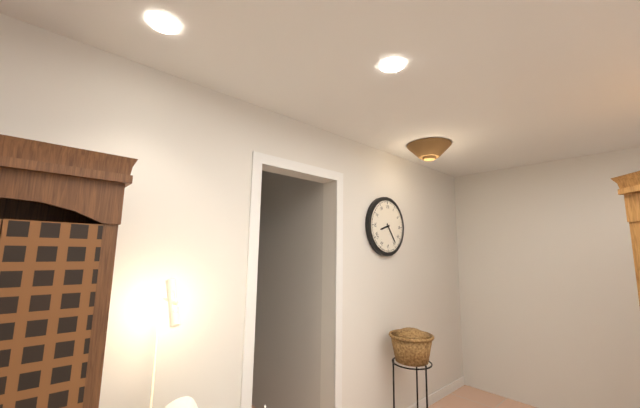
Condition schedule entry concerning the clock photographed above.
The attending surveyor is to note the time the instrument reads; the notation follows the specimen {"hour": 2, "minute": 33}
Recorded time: {"hour": 8, "minute": 24}
